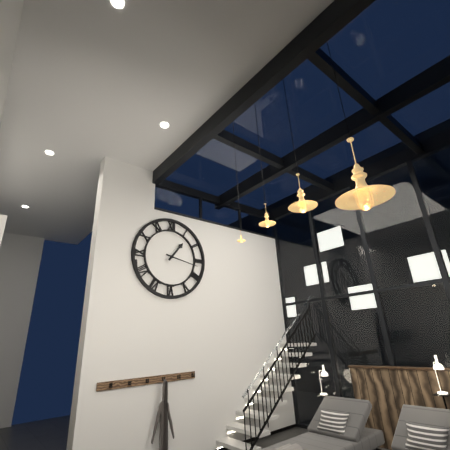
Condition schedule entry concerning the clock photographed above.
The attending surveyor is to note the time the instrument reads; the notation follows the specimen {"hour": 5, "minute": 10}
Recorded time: {"hour": 1, "minute": 17}
